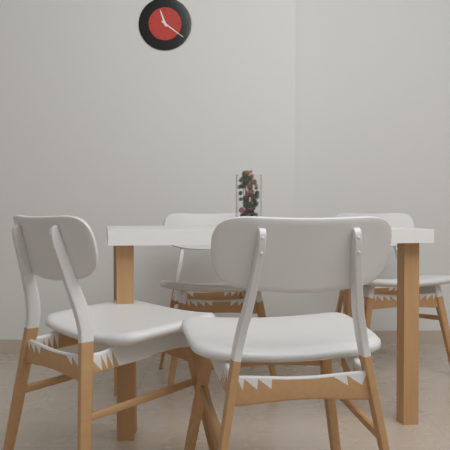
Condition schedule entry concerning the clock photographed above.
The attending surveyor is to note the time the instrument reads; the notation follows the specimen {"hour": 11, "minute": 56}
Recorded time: {"hour": 11, "minute": 21}
